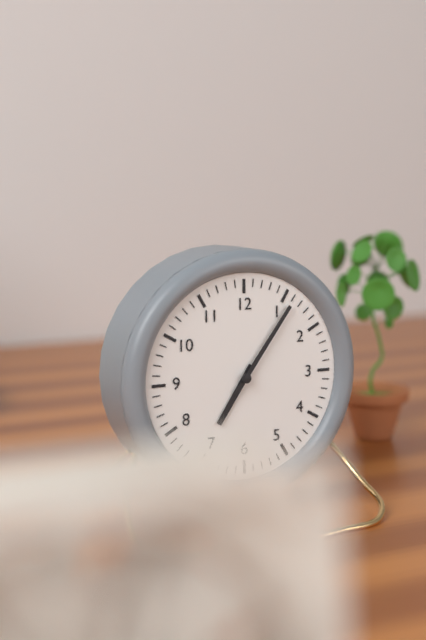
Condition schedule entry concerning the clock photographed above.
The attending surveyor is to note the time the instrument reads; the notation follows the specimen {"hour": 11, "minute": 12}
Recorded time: {"hour": 7, "minute": 6}
